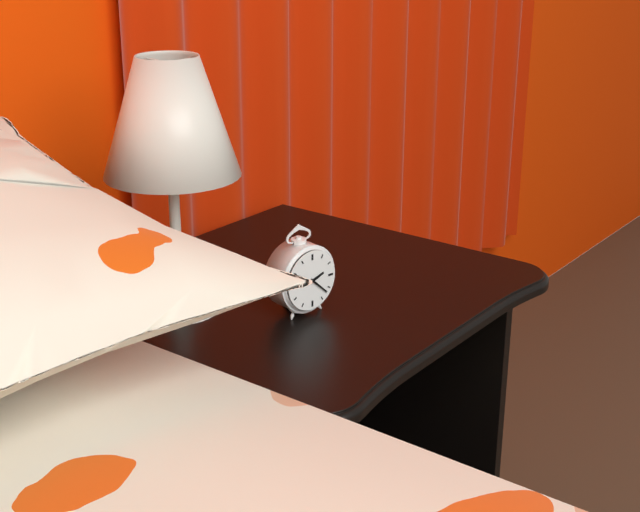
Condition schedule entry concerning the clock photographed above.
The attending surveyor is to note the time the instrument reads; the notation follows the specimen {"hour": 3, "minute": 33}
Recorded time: {"hour": 2, "minute": 22}
